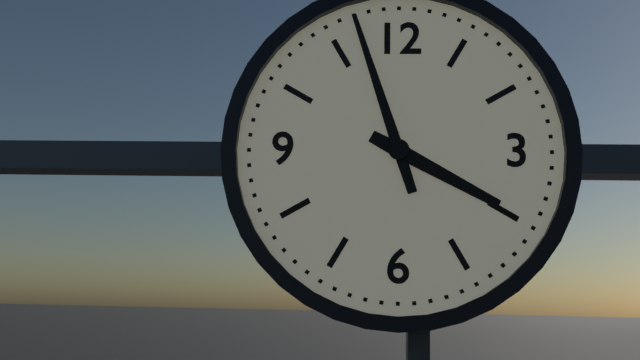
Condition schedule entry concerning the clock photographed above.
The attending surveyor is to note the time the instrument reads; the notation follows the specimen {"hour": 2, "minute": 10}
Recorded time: {"hour": 3, "minute": 57}
